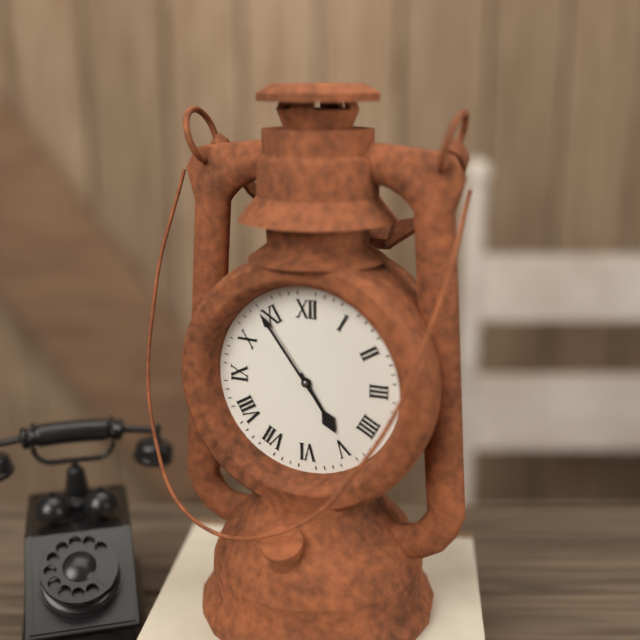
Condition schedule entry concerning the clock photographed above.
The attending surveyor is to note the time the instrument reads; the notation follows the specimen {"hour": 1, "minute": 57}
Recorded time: {"hour": 4, "minute": 54}
